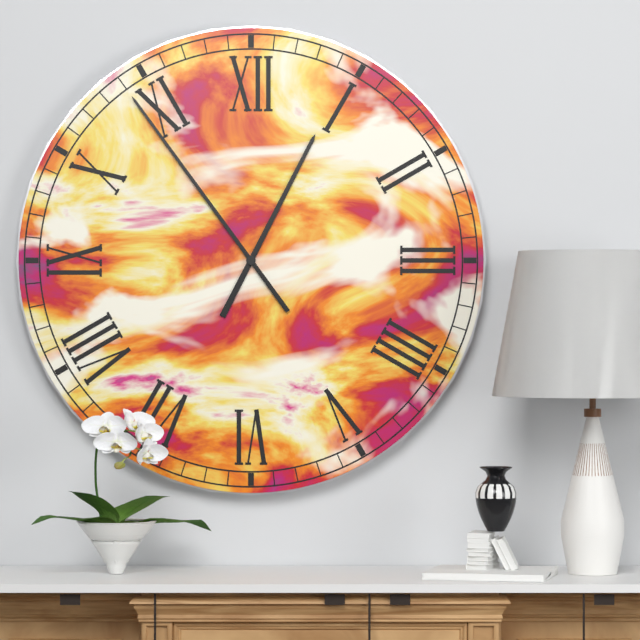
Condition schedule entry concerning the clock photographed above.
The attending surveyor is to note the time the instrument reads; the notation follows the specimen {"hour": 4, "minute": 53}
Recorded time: {"hour": 12, "minute": 54}
